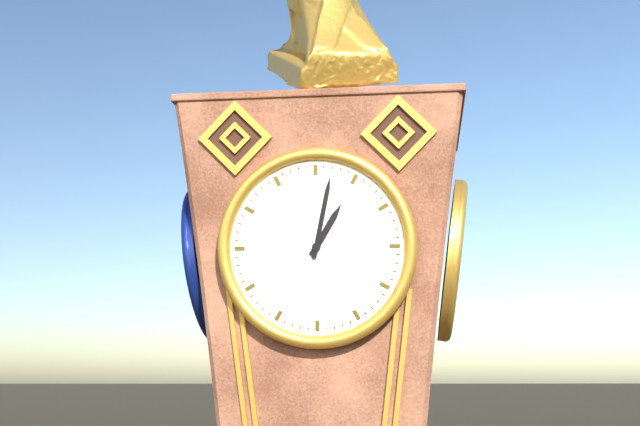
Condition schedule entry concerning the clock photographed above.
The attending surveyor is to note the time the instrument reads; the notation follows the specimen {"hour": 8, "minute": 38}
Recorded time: {"hour": 1, "minute": 2}
